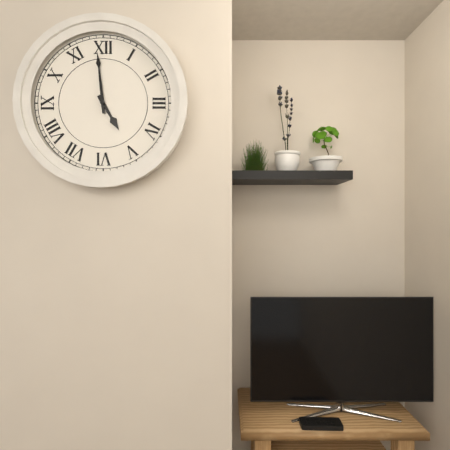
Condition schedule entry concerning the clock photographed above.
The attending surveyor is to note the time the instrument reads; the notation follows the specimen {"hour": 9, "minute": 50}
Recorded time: {"hour": 4, "minute": 59}
